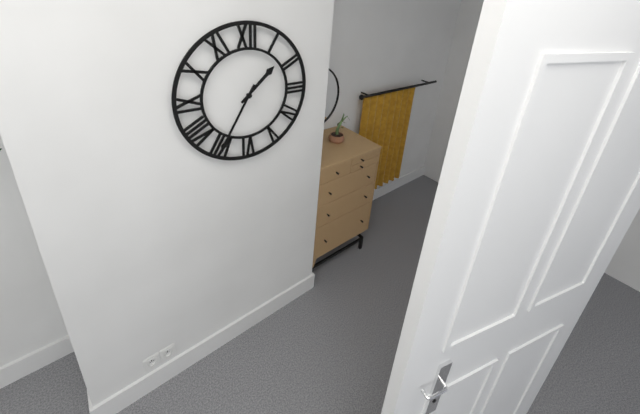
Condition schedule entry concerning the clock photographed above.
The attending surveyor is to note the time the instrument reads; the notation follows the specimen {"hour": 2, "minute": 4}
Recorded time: {"hour": 1, "minute": 35}
